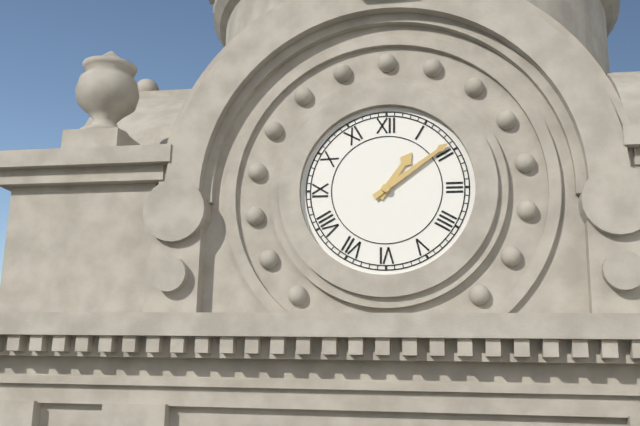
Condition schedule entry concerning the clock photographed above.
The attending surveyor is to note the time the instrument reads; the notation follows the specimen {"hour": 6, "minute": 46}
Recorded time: {"hour": 1, "minute": 9}
